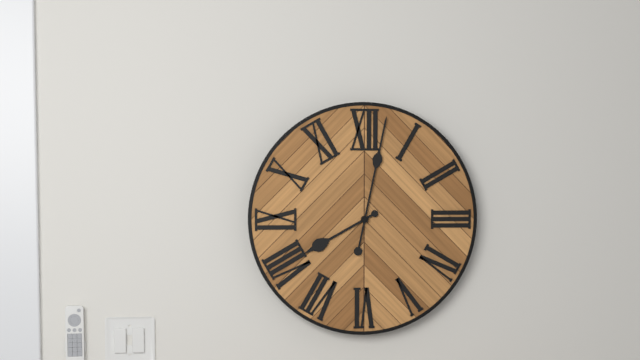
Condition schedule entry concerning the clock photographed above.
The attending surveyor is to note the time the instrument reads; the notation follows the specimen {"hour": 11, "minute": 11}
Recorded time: {"hour": 8, "minute": 2}
